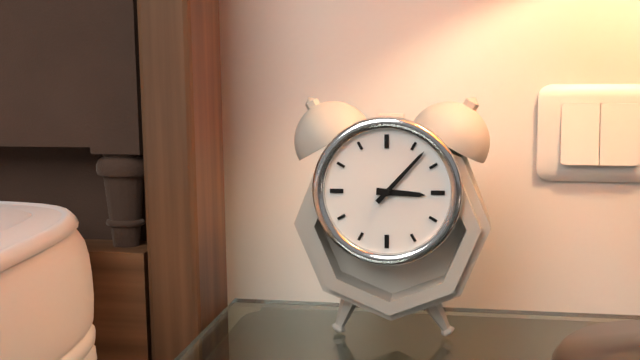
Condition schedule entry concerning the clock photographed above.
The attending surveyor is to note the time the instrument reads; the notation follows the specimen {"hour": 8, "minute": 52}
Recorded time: {"hour": 3, "minute": 7}
